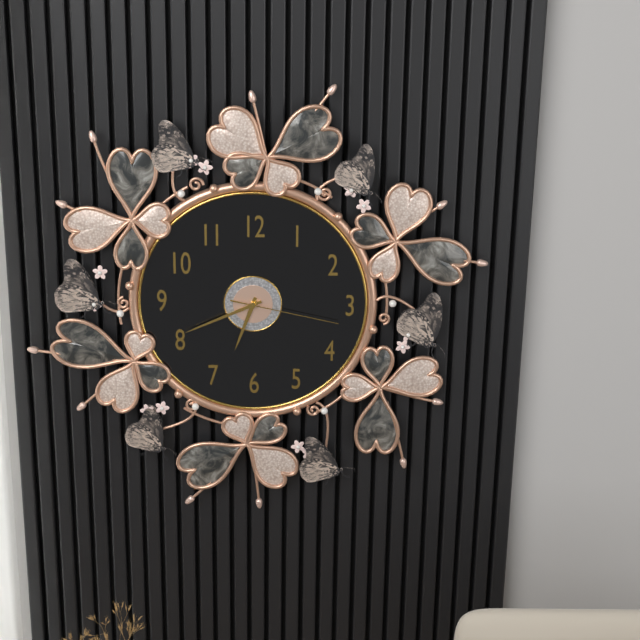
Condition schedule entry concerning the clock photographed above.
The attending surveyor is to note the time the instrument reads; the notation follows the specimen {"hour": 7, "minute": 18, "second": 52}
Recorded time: {"hour": 6, "minute": 41, "second": 17}
